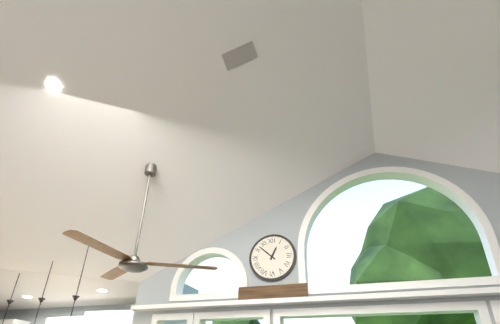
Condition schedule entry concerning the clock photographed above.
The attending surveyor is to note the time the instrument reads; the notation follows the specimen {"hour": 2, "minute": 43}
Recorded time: {"hour": 12, "minute": 52}
